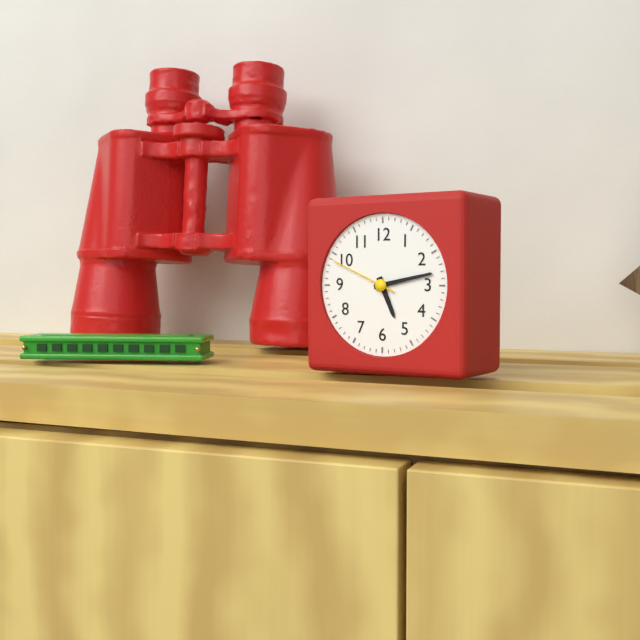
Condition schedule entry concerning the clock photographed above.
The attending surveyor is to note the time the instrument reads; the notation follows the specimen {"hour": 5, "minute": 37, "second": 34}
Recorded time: {"hour": 5, "minute": 13, "second": 49}
